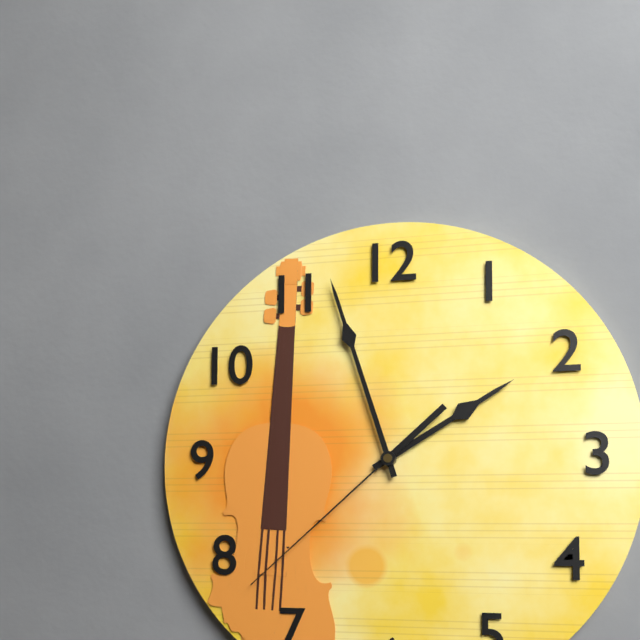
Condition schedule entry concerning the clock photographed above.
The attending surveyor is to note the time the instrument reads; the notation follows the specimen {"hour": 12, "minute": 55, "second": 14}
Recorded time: {"hour": 1, "minute": 57, "second": 38}
